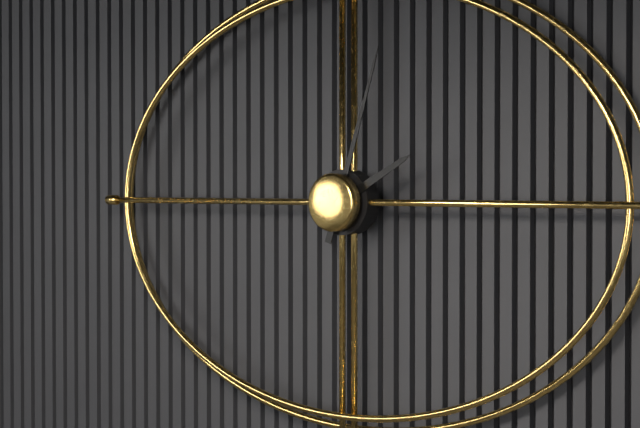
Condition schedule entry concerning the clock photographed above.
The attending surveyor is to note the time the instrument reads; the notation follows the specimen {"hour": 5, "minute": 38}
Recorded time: {"hour": 2, "minute": 3}
